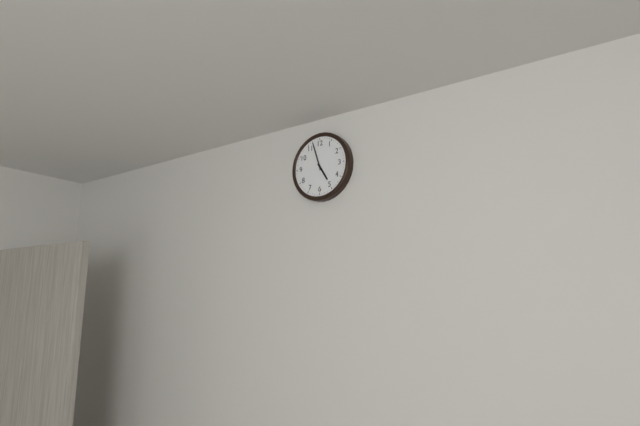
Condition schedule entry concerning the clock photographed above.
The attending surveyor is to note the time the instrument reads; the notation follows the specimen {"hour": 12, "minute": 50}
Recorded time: {"hour": 4, "minute": 57}
